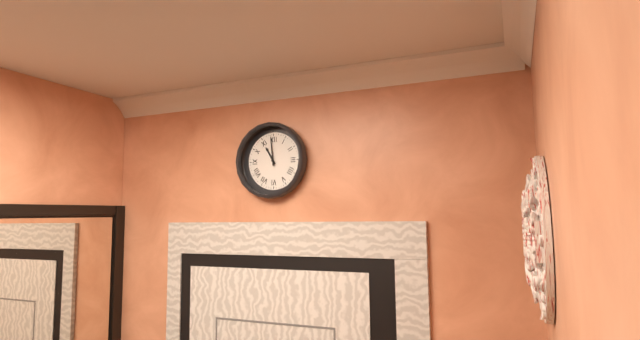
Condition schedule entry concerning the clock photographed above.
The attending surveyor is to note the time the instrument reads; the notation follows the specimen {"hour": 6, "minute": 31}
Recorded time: {"hour": 10, "minute": 59}
